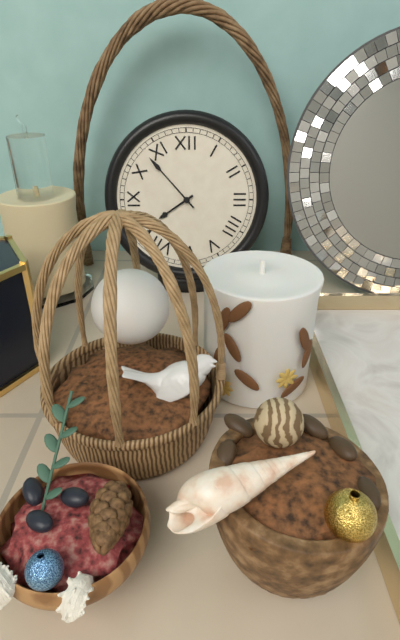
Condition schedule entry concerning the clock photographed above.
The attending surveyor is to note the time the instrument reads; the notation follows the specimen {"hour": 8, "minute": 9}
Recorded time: {"hour": 7, "minute": 53}
